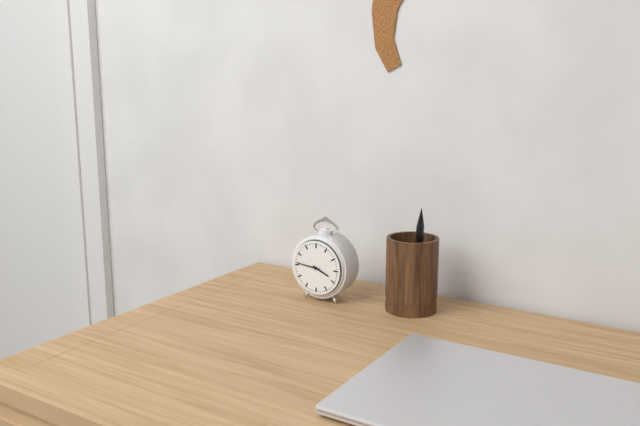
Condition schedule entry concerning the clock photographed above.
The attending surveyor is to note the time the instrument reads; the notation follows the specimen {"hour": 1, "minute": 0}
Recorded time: {"hour": 3, "minute": 46}
